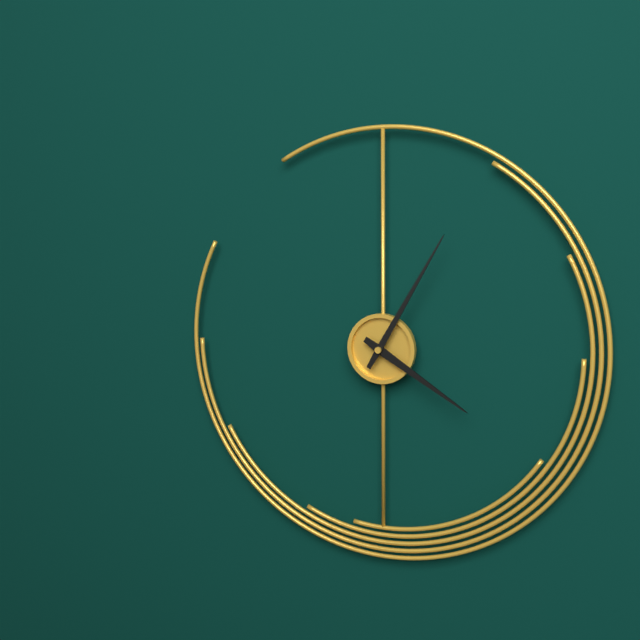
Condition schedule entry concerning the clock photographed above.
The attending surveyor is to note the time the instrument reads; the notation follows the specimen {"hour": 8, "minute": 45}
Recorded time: {"hour": 4, "minute": 5}
